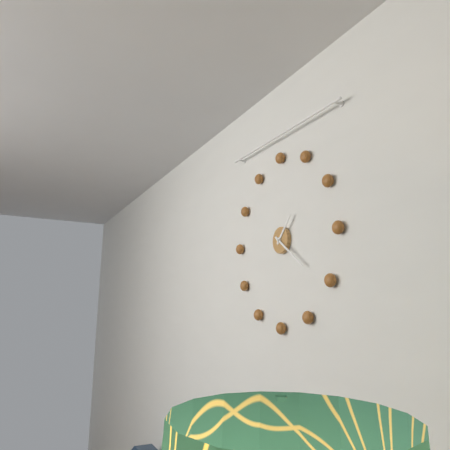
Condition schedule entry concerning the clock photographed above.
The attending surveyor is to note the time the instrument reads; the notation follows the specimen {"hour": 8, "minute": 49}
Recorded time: {"hour": 1, "minute": 21}
